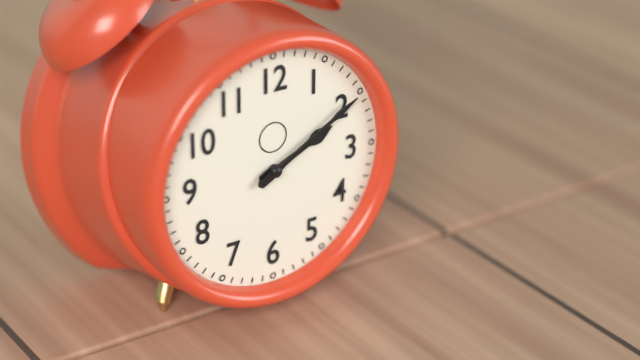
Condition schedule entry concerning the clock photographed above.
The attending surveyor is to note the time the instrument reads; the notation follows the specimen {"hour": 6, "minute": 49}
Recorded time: {"hour": 2, "minute": 10}
